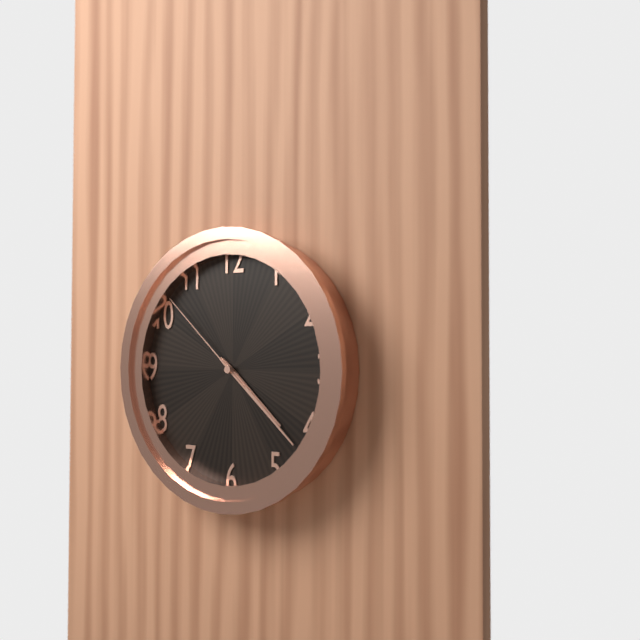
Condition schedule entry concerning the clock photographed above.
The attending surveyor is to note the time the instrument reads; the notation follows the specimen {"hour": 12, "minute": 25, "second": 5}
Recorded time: {"hour": 4, "minute": 22, "second": 52}
